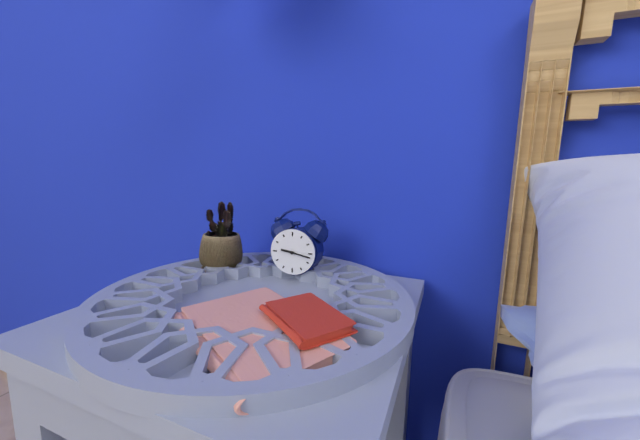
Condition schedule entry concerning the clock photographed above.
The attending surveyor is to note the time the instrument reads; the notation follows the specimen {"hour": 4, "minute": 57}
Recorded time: {"hour": 9, "minute": 17}
